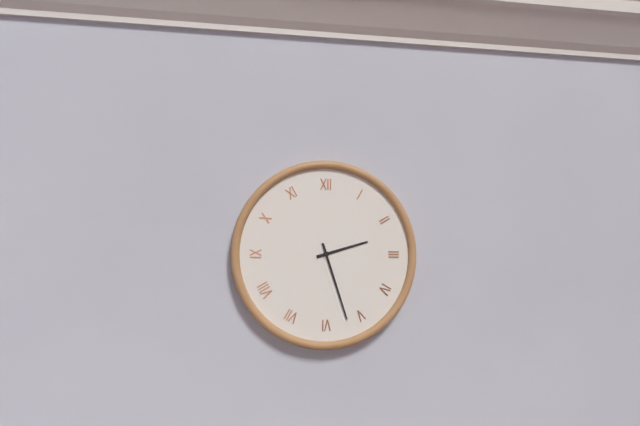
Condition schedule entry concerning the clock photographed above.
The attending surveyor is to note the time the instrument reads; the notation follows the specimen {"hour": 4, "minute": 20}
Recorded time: {"hour": 2, "minute": 27}
